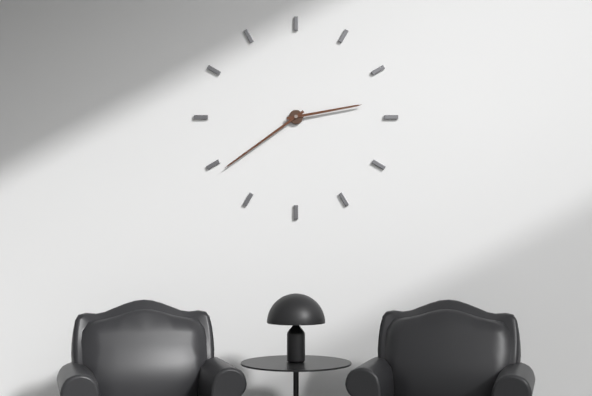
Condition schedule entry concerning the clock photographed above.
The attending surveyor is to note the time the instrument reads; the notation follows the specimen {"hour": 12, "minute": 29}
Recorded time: {"hour": 2, "minute": 39}
